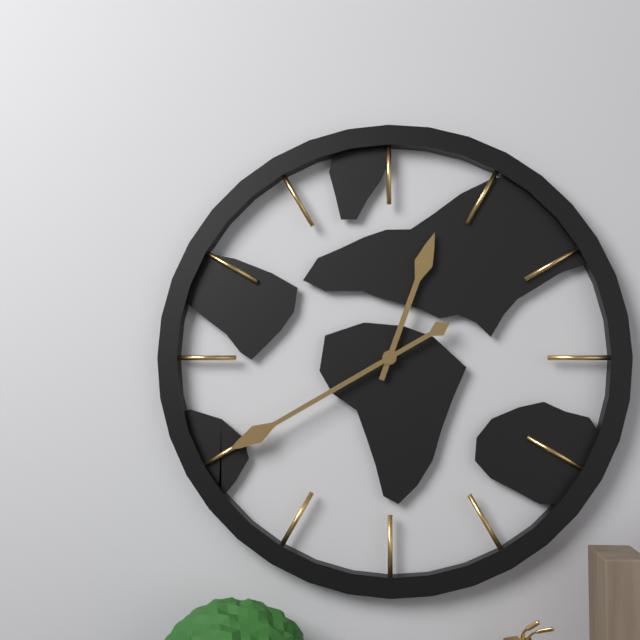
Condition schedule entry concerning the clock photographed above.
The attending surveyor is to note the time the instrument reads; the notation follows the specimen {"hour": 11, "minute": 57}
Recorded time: {"hour": 12, "minute": 40}
